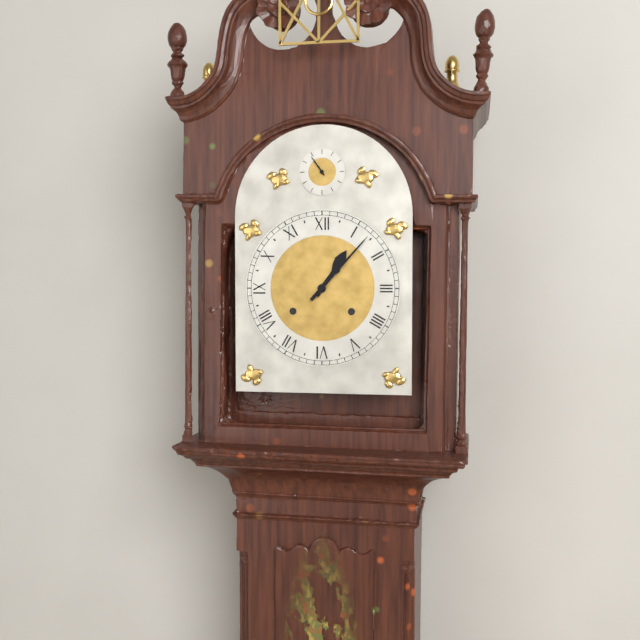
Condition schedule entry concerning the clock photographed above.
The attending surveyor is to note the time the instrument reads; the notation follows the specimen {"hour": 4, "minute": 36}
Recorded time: {"hour": 1, "minute": 7}
